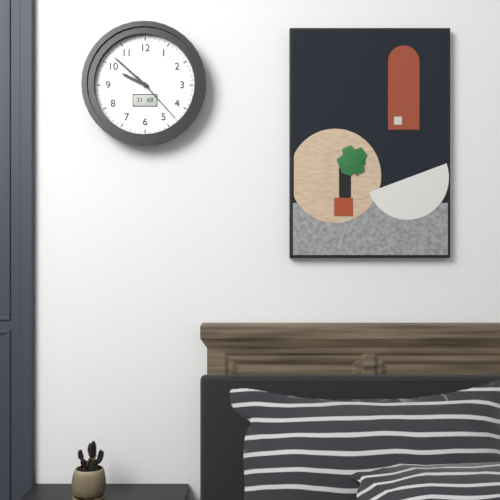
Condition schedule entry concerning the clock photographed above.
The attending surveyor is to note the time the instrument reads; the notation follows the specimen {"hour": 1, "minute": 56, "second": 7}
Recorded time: {"hour": 9, "minute": 52, "second": 23}
